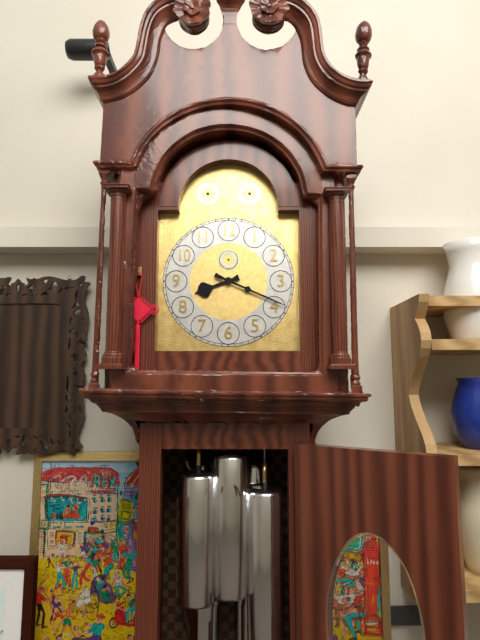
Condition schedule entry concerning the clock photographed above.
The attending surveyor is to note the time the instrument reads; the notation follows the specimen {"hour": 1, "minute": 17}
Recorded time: {"hour": 8, "minute": 19}
